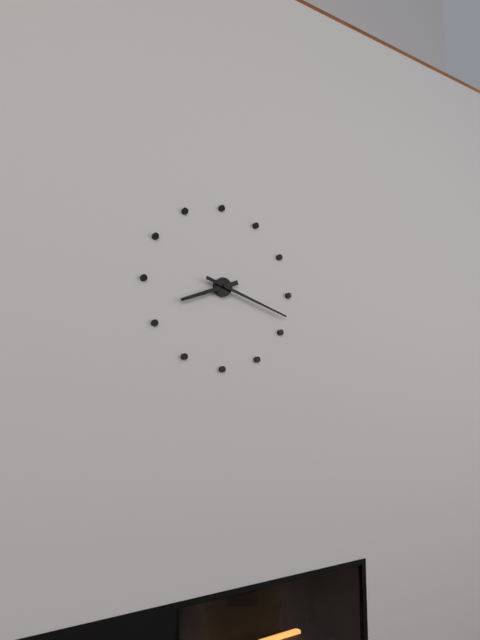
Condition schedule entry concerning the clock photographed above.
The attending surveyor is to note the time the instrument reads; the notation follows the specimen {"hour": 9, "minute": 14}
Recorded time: {"hour": 8, "minute": 18}
